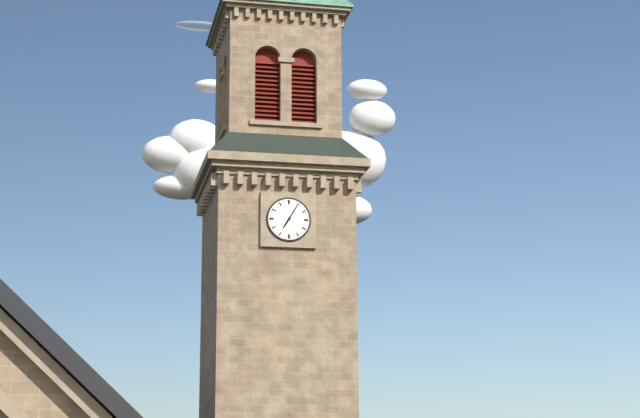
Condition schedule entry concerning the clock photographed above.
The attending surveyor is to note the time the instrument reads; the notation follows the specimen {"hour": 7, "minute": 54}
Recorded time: {"hour": 7, "minute": 5}
